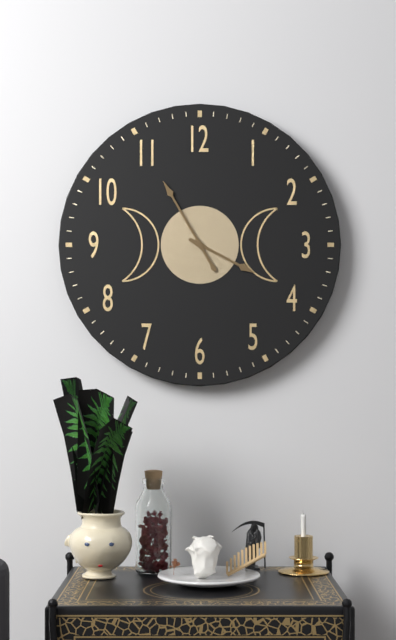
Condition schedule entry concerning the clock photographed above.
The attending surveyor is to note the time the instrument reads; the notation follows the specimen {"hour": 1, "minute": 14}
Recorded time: {"hour": 3, "minute": 55}
